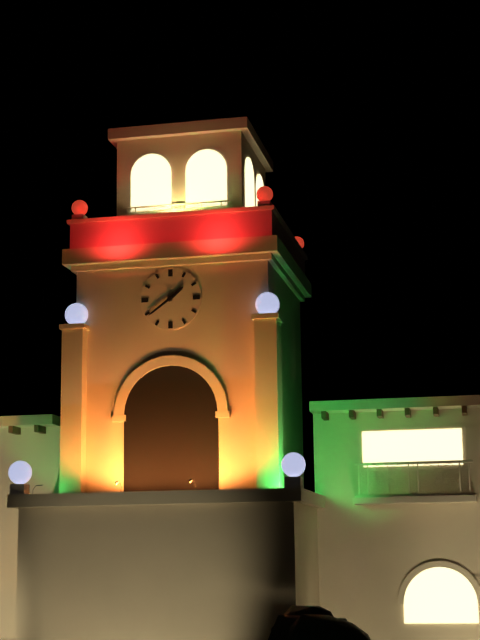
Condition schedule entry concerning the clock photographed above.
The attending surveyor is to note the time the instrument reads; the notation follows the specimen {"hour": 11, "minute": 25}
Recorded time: {"hour": 1, "minute": 39}
